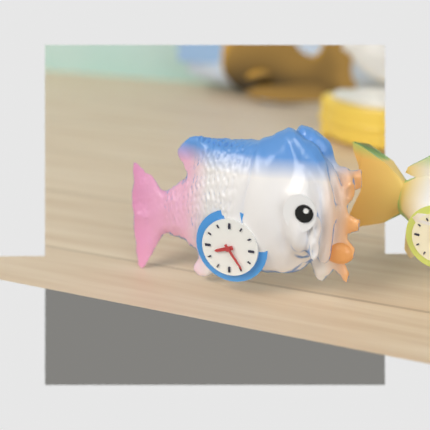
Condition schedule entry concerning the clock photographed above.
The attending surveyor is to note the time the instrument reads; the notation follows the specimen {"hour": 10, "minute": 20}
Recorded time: {"hour": 8, "minute": 24}
